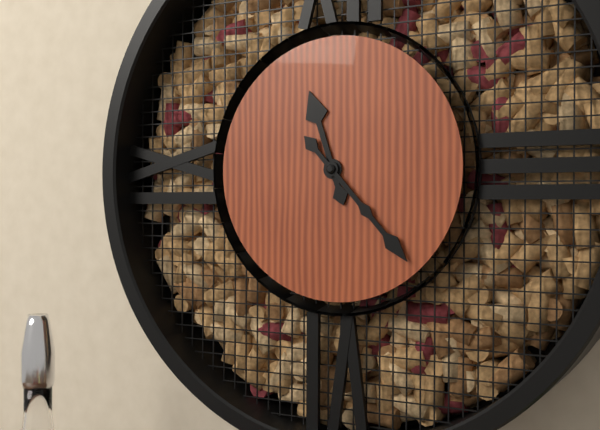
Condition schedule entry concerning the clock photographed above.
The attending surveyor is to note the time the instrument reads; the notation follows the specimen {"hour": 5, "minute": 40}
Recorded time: {"hour": 11, "minute": 23}
